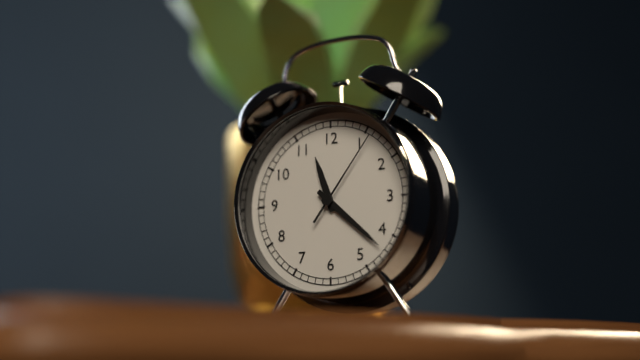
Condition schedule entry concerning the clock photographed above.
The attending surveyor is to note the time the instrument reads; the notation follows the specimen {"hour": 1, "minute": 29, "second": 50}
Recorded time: {"hour": 11, "minute": 22, "second": 6}
